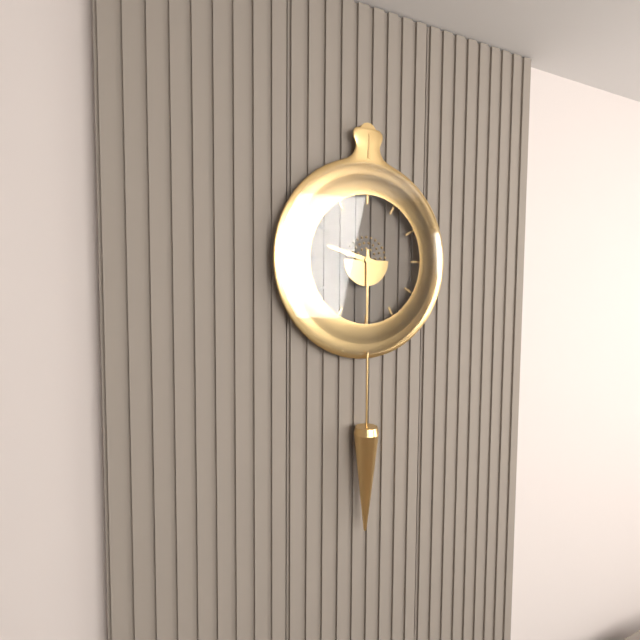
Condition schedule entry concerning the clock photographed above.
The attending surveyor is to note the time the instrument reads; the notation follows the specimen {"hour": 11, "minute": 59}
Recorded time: {"hour": 9, "minute": 30}
